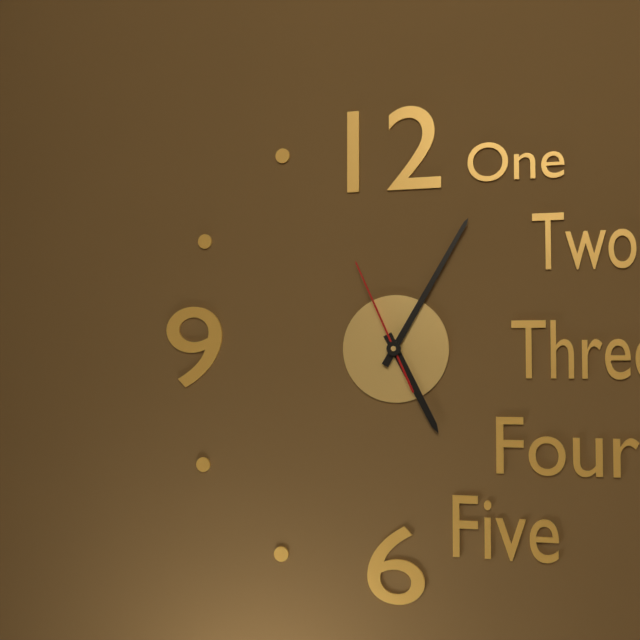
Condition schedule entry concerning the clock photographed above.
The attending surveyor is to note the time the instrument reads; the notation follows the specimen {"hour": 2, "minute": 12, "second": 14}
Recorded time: {"hour": 5, "minute": 5, "second": 56}
